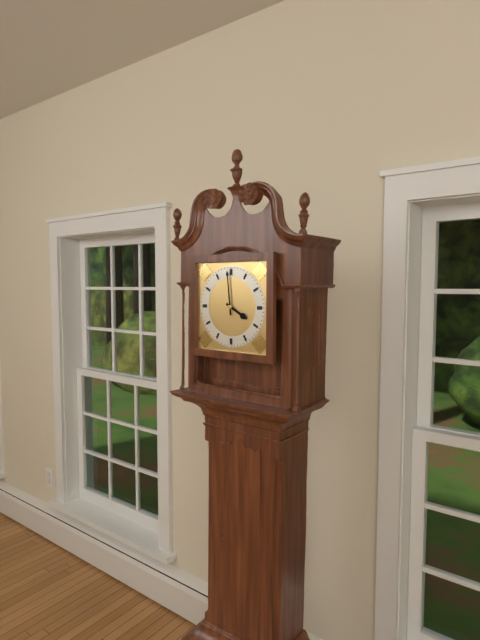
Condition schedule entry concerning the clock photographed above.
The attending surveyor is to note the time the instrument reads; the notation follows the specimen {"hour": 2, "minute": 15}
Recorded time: {"hour": 3, "minute": 59}
